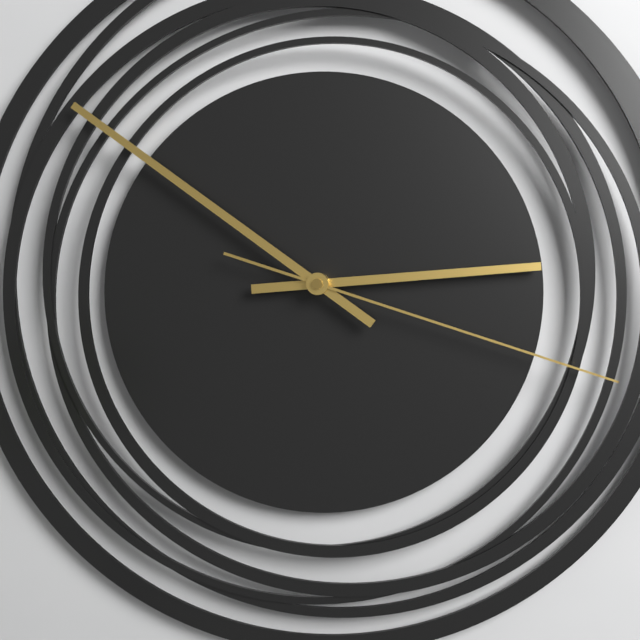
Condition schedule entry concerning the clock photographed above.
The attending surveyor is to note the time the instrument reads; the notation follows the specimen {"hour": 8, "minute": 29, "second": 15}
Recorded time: {"hour": 2, "minute": 51, "second": 18}
